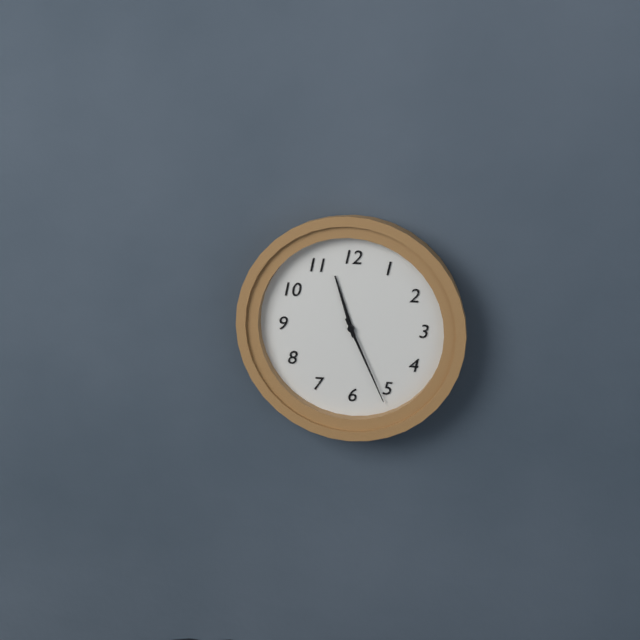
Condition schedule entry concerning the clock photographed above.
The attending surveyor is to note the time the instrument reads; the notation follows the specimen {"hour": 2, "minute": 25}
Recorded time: {"hour": 11, "minute": 26}
